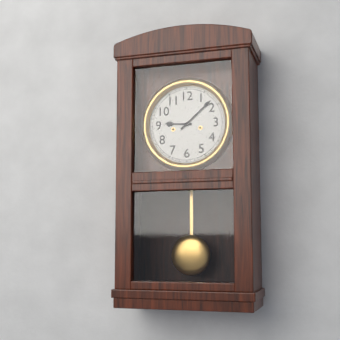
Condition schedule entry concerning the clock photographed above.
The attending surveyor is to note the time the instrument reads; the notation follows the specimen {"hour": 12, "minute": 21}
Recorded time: {"hour": 9, "minute": 8}
